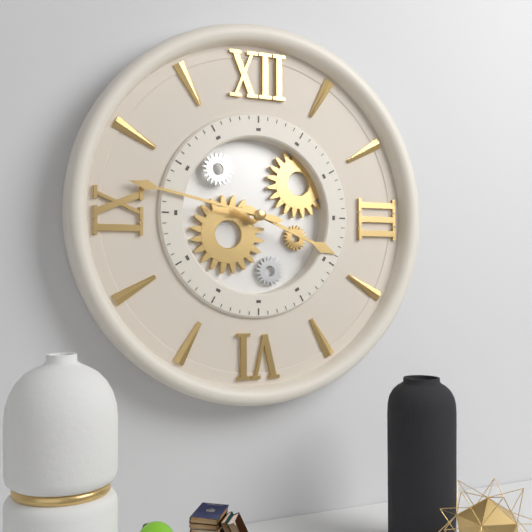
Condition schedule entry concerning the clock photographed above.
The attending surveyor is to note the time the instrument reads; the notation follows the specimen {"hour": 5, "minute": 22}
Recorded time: {"hour": 3, "minute": 47}
